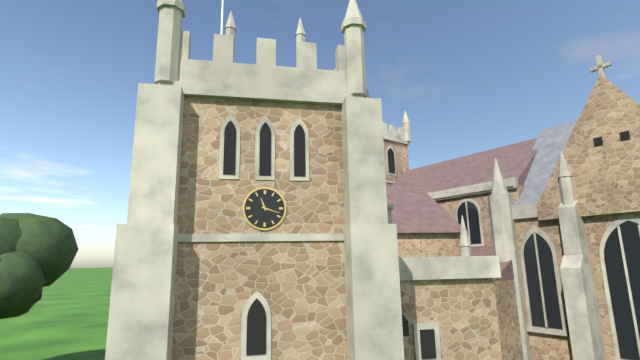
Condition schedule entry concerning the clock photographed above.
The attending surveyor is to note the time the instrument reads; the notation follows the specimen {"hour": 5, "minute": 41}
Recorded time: {"hour": 11, "minute": 18}
